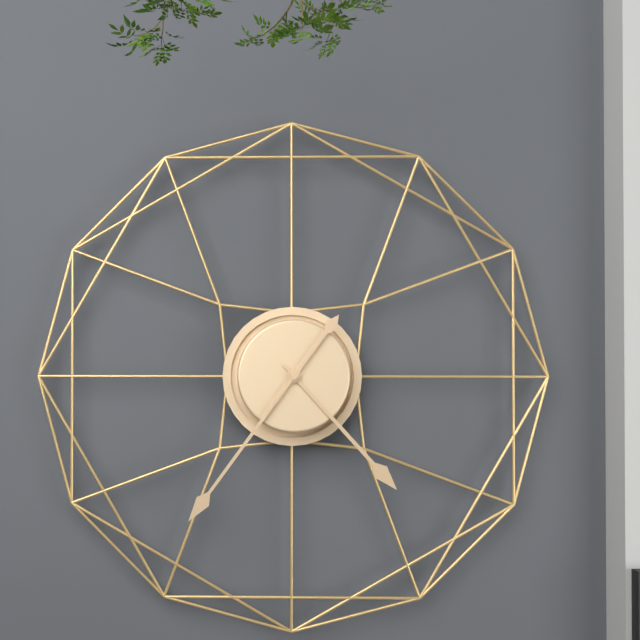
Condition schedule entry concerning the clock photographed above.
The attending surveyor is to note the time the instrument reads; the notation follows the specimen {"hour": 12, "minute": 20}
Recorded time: {"hour": 4, "minute": 36}
